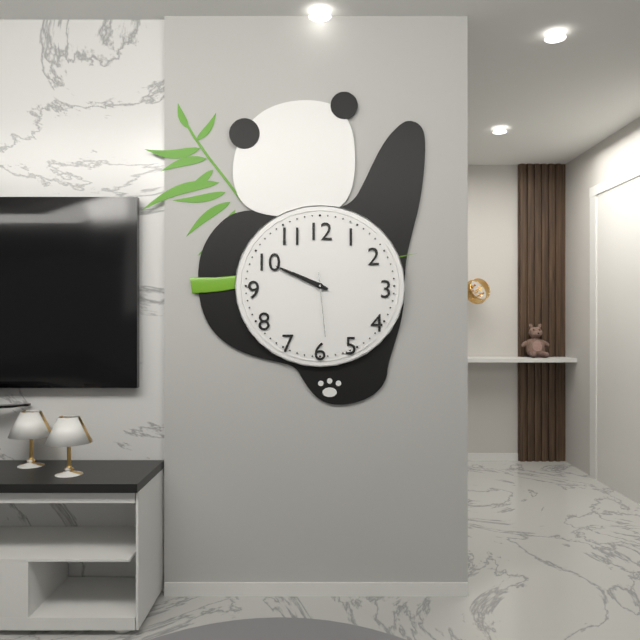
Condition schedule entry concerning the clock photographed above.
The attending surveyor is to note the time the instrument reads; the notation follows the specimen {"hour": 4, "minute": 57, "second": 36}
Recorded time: {"hour": 9, "minute": 49, "second": 29}
